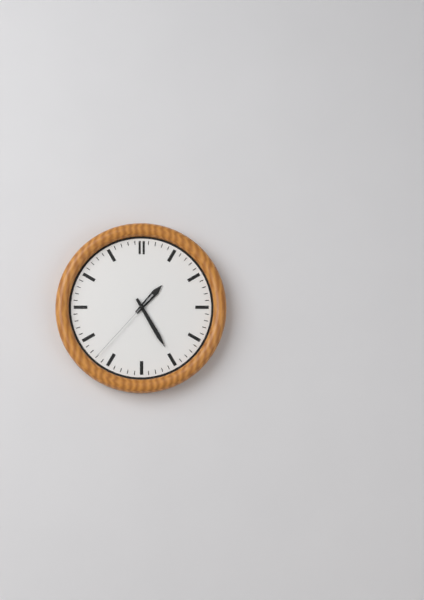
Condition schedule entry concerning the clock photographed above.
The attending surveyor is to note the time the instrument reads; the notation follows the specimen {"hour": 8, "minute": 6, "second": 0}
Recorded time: {"hour": 1, "minute": 25, "second": 37}
